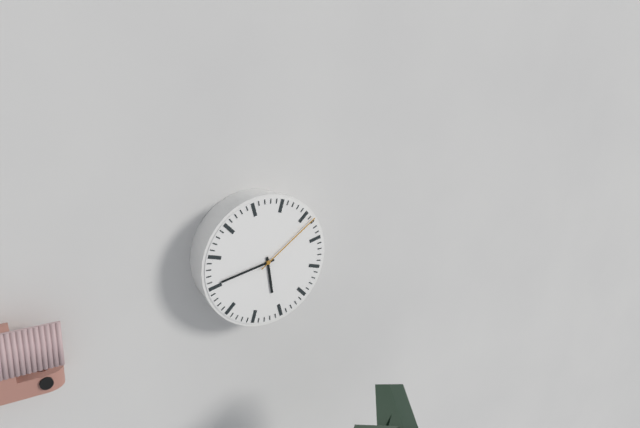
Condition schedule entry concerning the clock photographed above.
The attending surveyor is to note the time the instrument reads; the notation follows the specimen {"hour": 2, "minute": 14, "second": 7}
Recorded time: {"hour": 5, "minute": 43, "second": 9}
